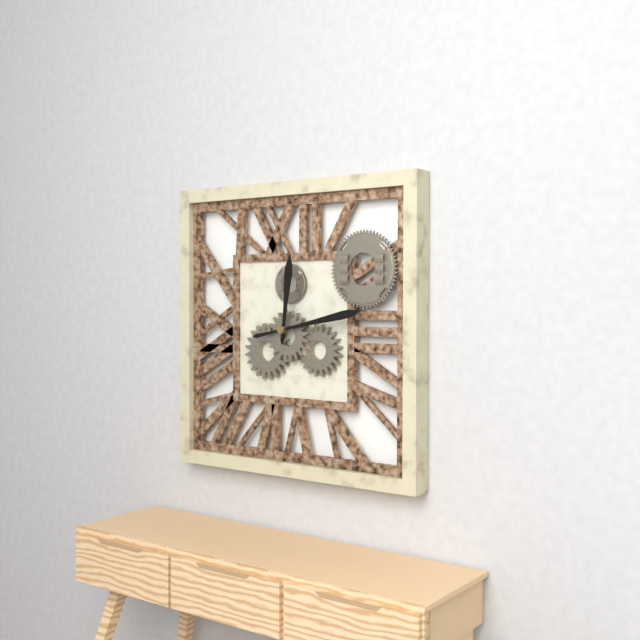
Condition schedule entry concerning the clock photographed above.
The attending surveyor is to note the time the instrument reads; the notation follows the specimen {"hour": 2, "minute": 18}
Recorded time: {"hour": 12, "minute": 13}
